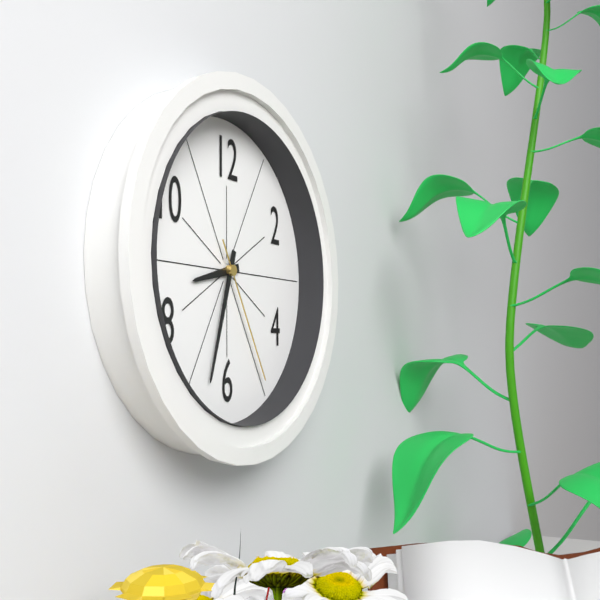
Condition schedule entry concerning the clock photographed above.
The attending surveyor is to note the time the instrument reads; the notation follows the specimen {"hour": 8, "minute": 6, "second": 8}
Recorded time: {"hour": 8, "minute": 33, "second": 25}
